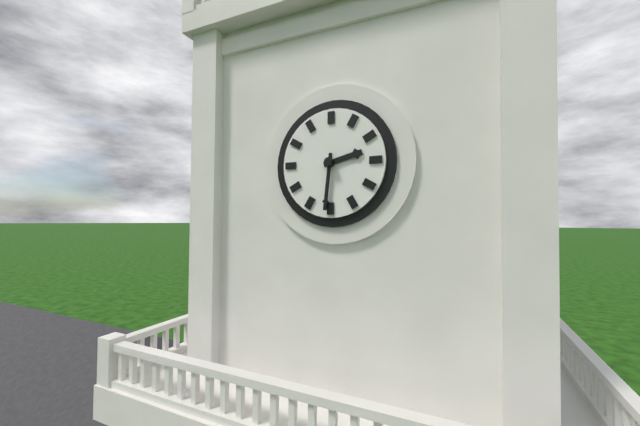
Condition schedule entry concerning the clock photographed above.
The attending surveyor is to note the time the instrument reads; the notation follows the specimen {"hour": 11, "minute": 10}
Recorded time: {"hour": 2, "minute": 31}
